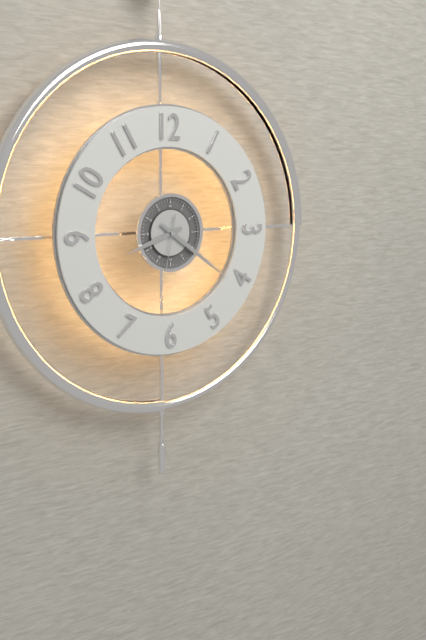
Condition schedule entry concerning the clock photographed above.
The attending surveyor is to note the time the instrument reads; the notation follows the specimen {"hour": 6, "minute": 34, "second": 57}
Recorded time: {"hour": 8, "minute": 21, "second": 32}
